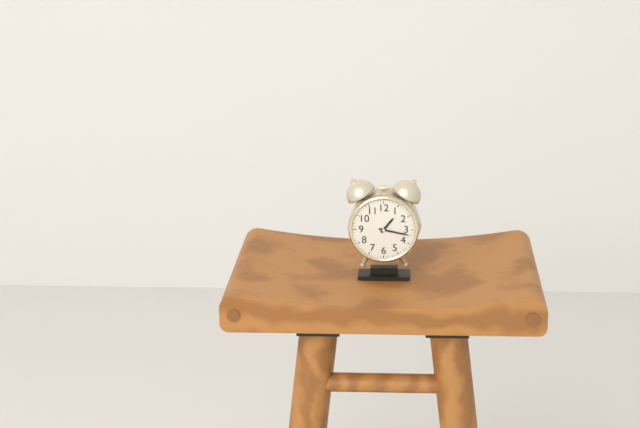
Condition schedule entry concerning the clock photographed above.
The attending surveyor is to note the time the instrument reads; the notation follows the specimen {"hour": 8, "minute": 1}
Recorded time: {"hour": 1, "minute": 17}
